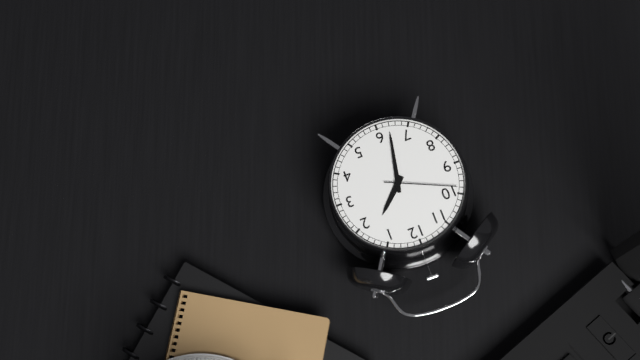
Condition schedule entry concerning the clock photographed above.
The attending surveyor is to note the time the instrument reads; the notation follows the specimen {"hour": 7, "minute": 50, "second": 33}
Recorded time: {"hour": 1, "minute": 32, "second": 49}
